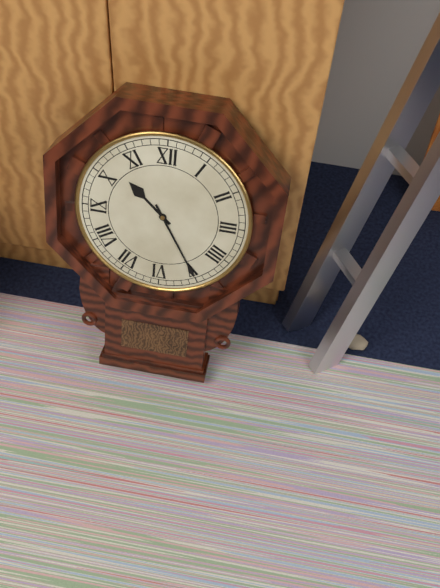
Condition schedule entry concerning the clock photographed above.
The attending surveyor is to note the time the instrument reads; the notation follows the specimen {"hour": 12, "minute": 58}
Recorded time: {"hour": 10, "minute": 25}
